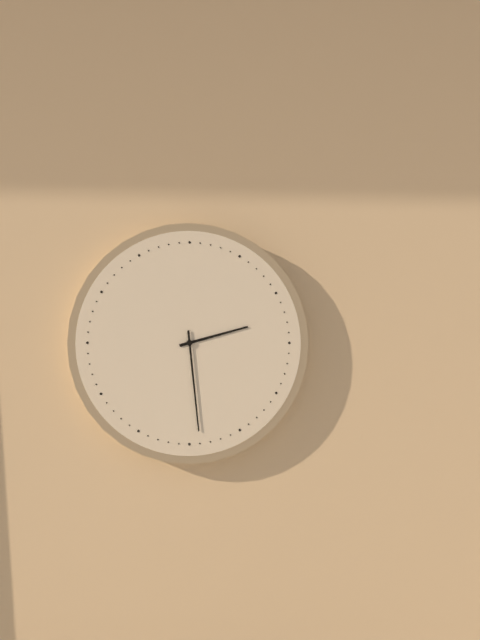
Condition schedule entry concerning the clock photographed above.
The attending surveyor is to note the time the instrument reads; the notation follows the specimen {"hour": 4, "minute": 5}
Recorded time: {"hour": 2, "minute": 29}
